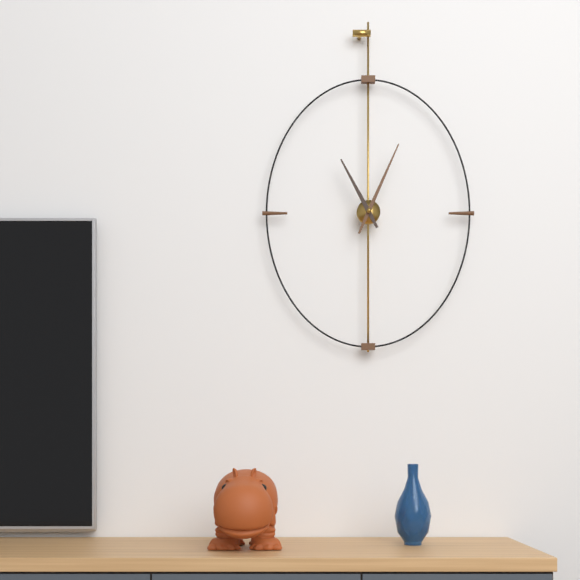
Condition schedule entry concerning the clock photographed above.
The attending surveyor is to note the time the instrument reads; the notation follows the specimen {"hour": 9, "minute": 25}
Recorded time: {"hour": 11, "minute": 4}
